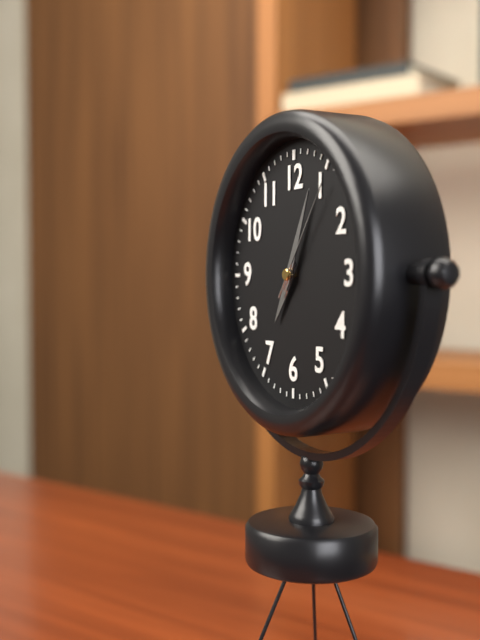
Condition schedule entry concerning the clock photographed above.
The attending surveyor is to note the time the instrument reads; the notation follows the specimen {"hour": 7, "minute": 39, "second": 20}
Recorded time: {"hour": 7, "minute": 4, "second": 6}
